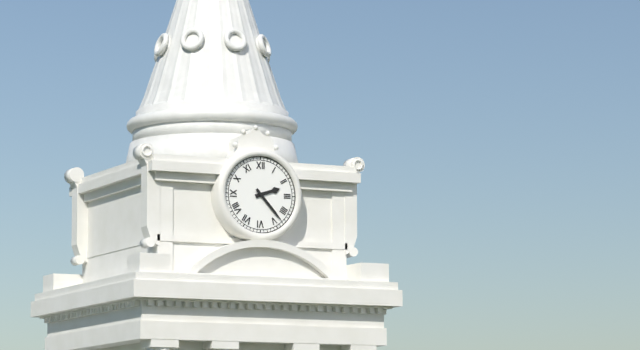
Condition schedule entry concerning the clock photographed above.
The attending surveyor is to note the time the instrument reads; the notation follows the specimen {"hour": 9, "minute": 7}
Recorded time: {"hour": 2, "minute": 23}
